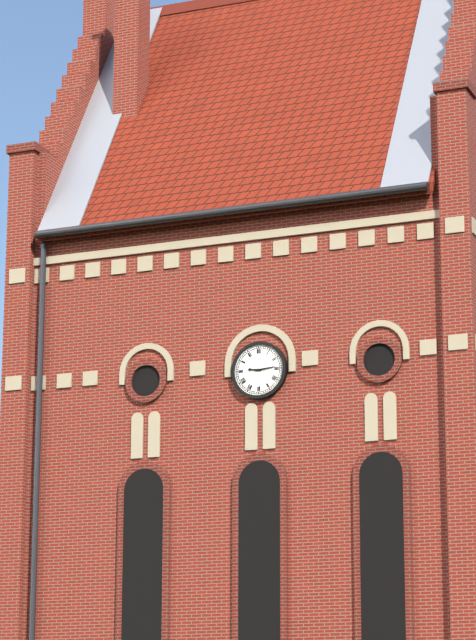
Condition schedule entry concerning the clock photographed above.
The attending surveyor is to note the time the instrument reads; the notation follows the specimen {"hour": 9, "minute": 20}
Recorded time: {"hour": 9, "minute": 14}
